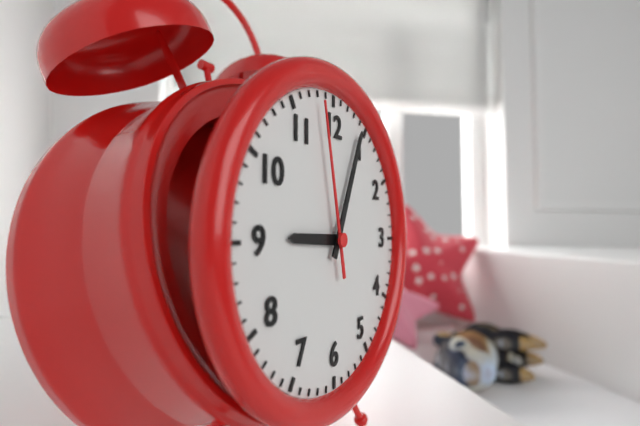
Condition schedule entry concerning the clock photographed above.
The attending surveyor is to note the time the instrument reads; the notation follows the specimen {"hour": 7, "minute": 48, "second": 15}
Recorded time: {"hour": 9, "minute": 4, "second": 58}
